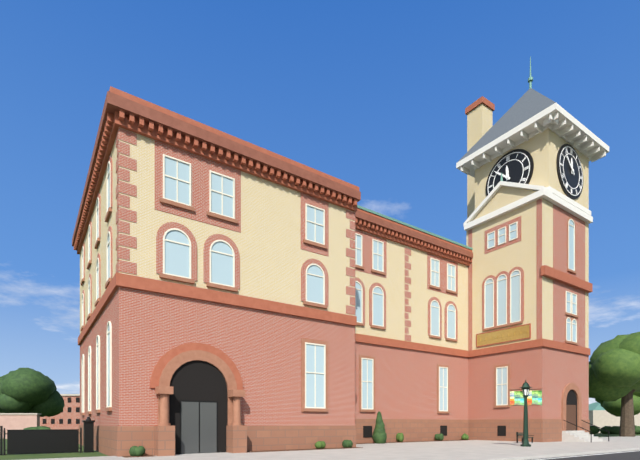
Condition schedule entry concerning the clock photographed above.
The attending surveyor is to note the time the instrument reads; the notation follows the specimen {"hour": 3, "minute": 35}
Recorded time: {"hour": 11, "minute": 52}
